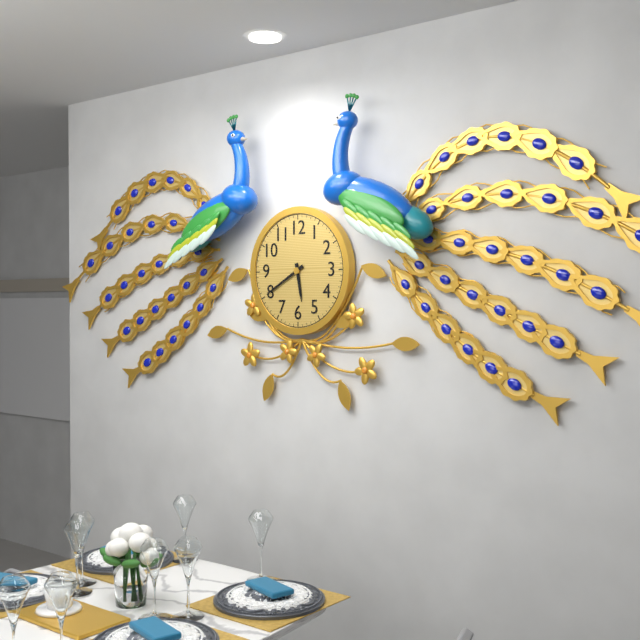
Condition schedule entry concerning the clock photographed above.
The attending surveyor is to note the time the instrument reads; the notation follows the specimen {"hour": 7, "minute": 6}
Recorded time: {"hour": 5, "minute": 40}
